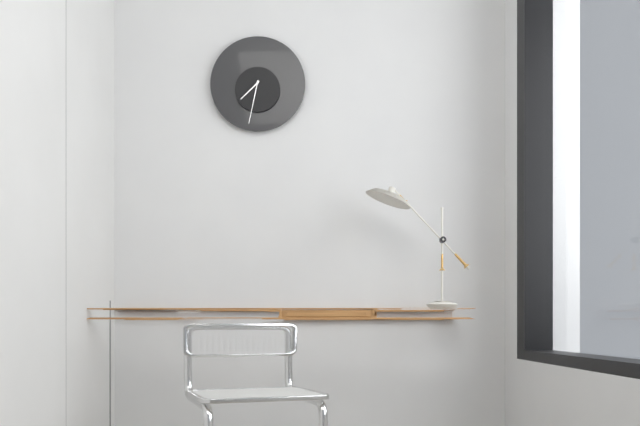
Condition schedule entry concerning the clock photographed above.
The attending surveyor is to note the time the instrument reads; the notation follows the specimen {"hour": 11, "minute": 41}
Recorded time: {"hour": 7, "minute": 32}
